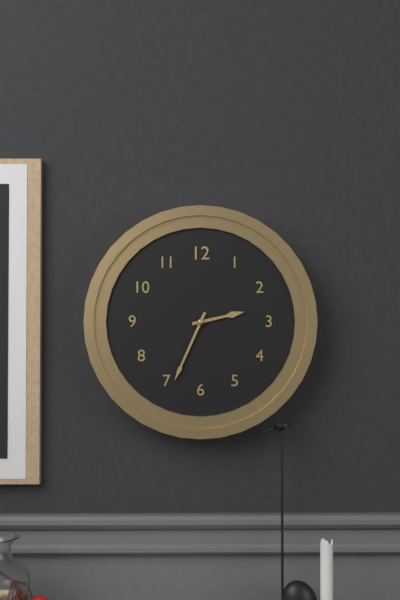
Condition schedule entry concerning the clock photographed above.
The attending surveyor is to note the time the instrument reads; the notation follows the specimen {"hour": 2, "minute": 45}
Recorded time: {"hour": 2, "minute": 34}
